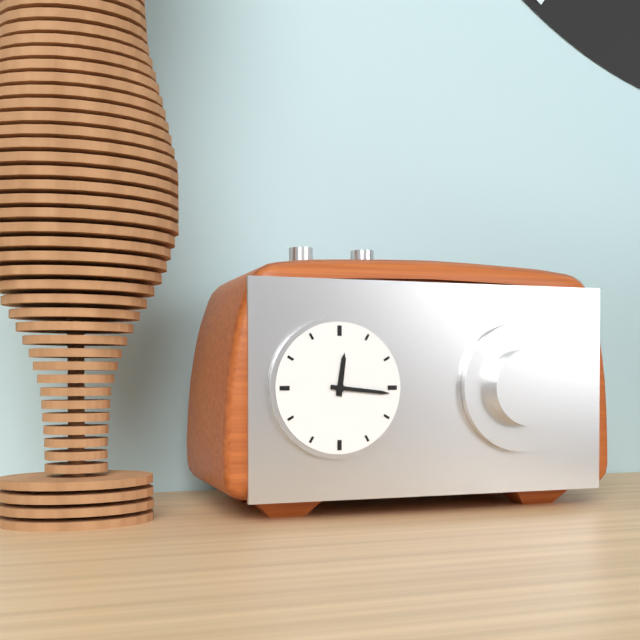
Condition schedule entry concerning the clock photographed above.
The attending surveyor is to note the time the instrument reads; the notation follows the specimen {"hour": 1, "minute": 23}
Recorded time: {"hour": 12, "minute": 16}
